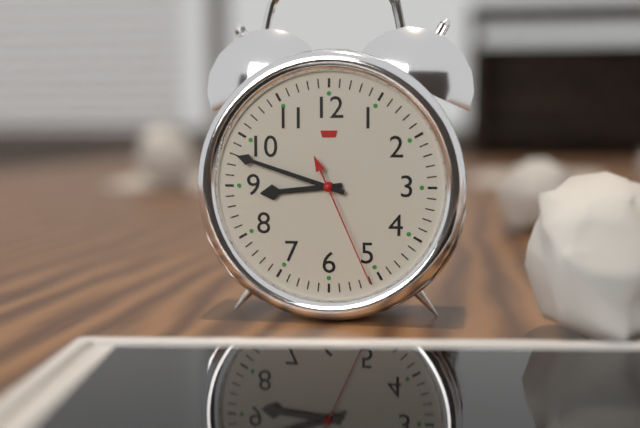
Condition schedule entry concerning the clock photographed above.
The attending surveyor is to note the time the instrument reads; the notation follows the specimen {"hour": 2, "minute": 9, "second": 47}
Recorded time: {"hour": 8, "minute": 48, "second": 26}
